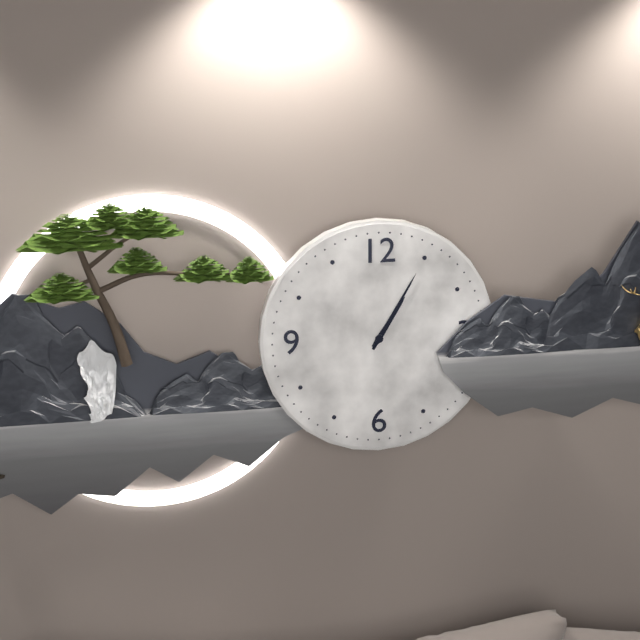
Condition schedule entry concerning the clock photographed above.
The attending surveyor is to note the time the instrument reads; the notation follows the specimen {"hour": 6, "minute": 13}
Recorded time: {"hour": 1, "minute": 5}
